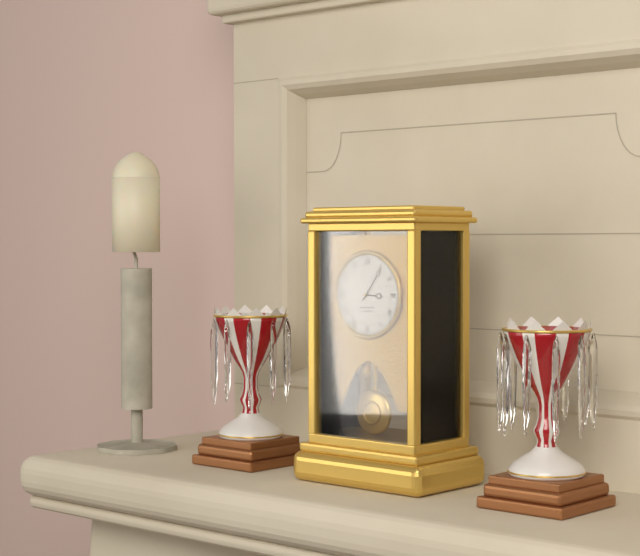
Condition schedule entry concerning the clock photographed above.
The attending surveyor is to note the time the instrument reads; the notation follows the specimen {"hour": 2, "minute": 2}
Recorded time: {"hour": 3, "minute": 6}
